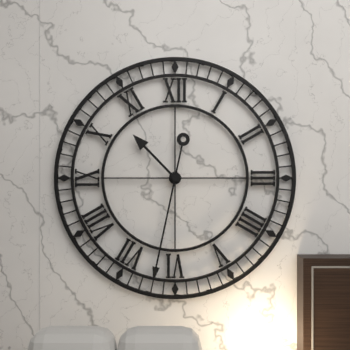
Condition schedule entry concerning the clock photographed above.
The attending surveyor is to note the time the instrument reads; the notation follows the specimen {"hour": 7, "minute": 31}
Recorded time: {"hour": 10, "minute": 32}
